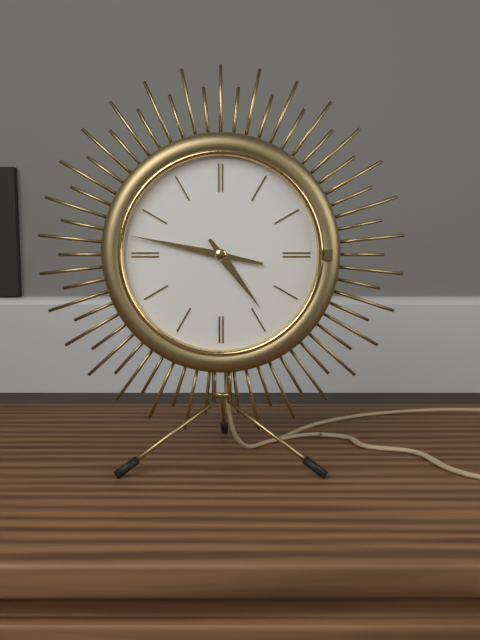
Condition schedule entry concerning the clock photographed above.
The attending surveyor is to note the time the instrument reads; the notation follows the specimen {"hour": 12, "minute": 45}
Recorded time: {"hour": 4, "minute": 47}
